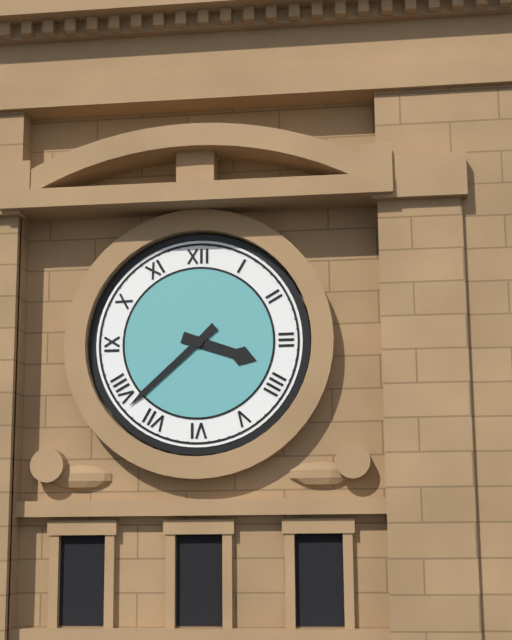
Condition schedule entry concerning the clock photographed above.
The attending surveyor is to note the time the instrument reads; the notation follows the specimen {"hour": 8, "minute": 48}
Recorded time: {"hour": 3, "minute": 38}
